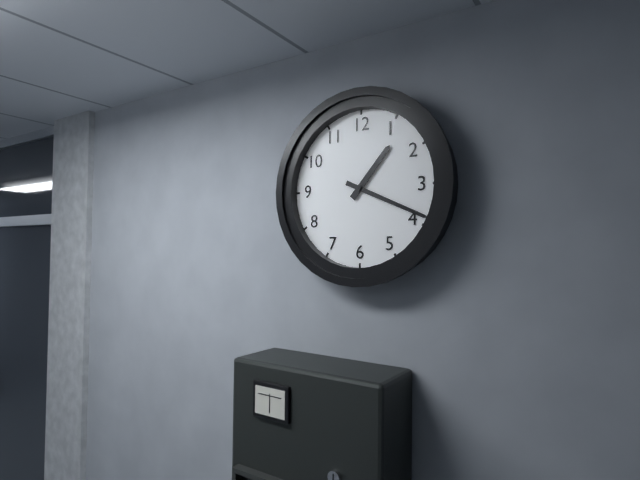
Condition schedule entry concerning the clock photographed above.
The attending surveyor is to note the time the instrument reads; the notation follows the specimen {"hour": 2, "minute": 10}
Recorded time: {"hour": 1, "minute": 19}
